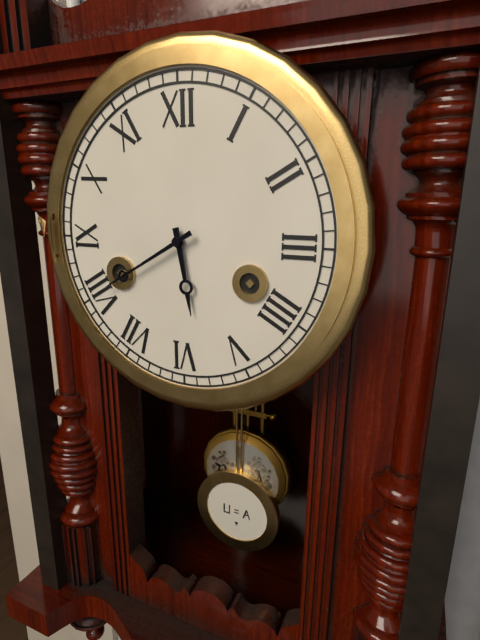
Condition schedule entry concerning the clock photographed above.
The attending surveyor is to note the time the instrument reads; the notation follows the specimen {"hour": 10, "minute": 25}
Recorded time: {"hour": 5, "minute": 40}
